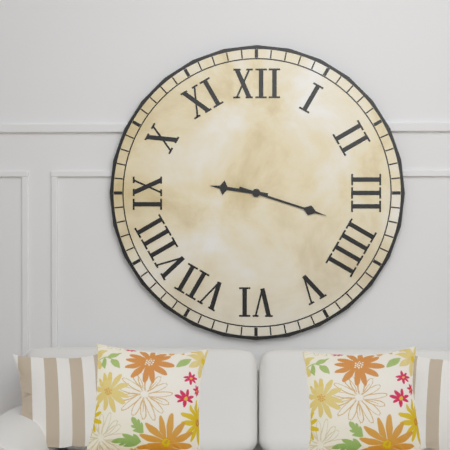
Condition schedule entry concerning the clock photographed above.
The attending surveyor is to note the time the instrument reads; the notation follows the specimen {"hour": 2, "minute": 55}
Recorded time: {"hour": 9, "minute": 18}
